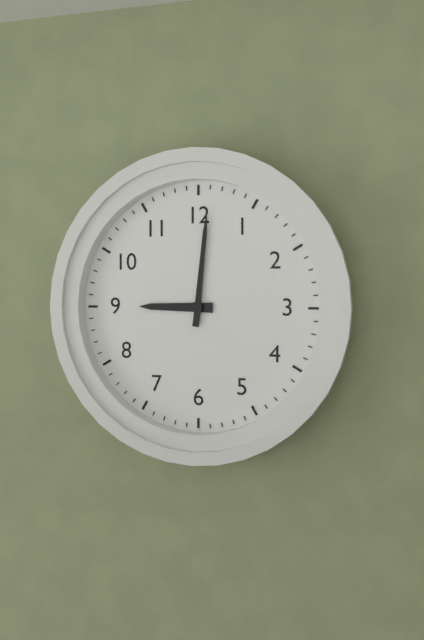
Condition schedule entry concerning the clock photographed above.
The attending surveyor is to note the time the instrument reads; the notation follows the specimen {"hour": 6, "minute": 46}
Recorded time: {"hour": 9, "minute": 1}
